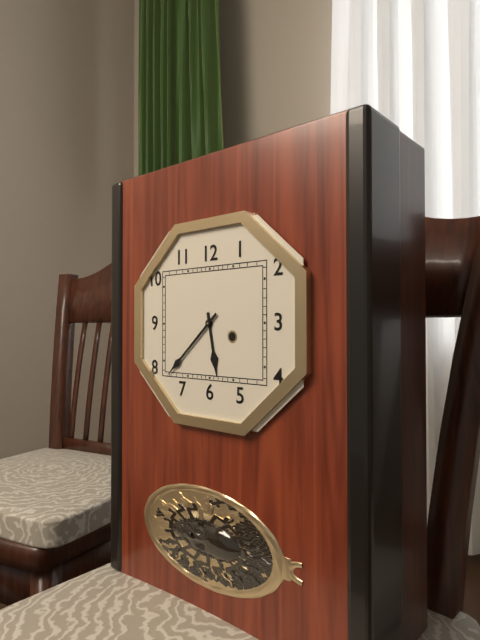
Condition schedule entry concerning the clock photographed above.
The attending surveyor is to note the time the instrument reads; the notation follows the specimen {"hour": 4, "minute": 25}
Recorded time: {"hour": 5, "minute": 38}
